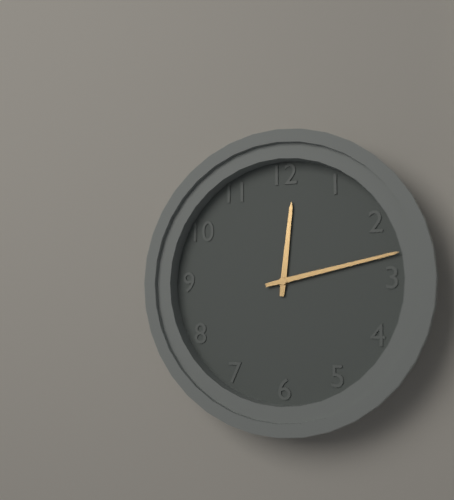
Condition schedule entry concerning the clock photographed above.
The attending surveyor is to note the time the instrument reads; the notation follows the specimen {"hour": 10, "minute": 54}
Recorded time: {"hour": 12, "minute": 13}
